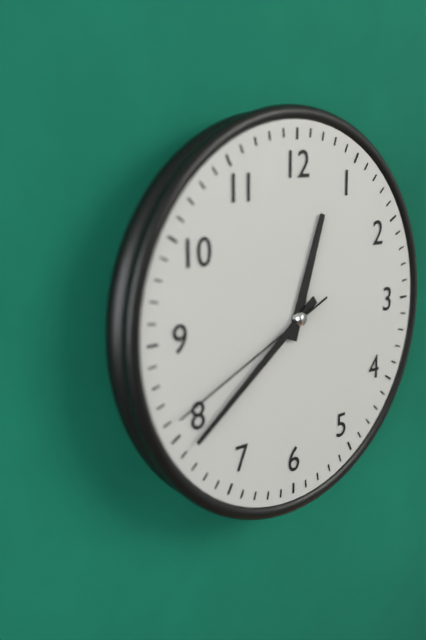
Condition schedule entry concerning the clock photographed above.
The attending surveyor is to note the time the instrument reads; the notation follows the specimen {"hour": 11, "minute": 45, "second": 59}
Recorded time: {"hour": 12, "minute": 39, "second": 41}
